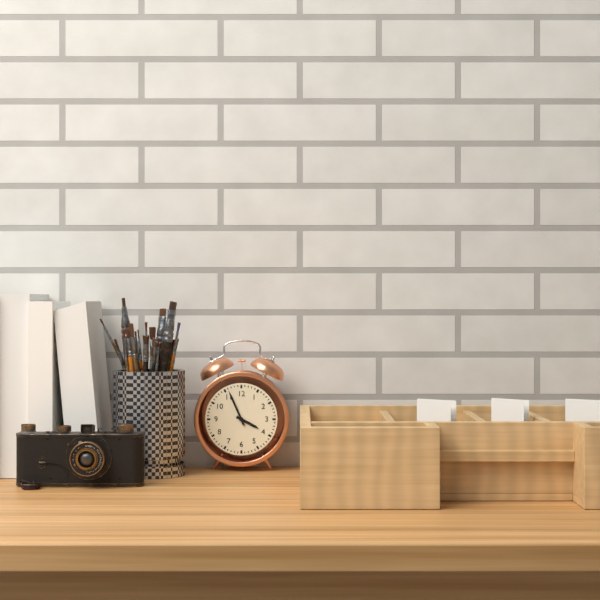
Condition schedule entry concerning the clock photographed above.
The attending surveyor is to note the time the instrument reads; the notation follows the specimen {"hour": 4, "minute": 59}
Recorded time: {"hour": 3, "minute": 56}
